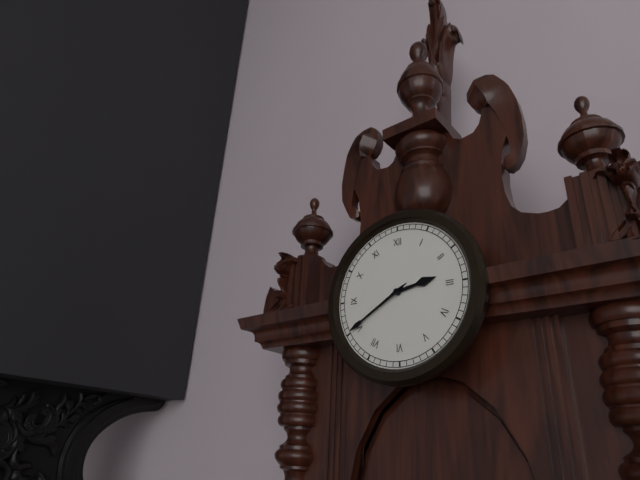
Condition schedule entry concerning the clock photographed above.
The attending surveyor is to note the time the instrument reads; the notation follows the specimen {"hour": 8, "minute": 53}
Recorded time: {"hour": 2, "minute": 40}
